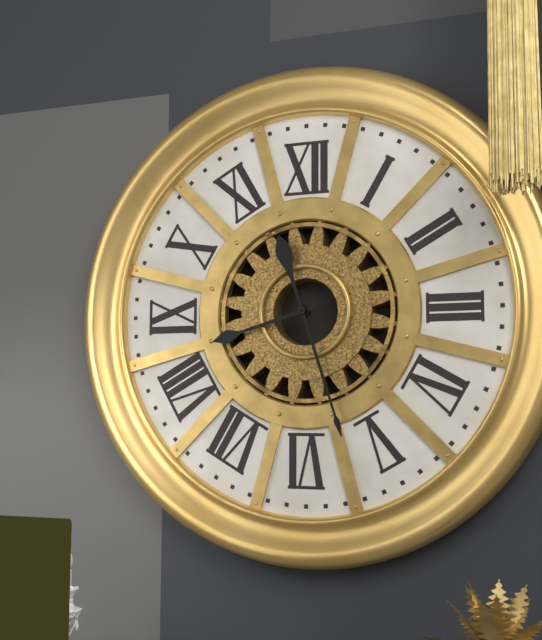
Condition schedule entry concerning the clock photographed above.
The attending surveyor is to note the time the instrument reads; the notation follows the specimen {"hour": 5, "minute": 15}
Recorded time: {"hour": 8, "minute": 27}
